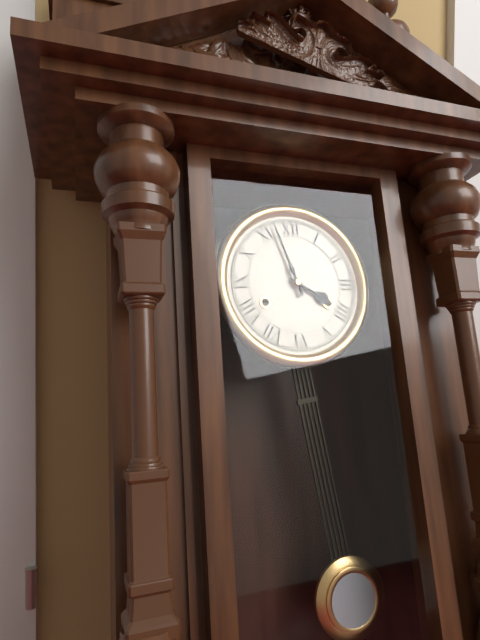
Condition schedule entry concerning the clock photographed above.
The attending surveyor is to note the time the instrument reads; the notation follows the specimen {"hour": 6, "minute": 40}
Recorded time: {"hour": 3, "minute": 57}
